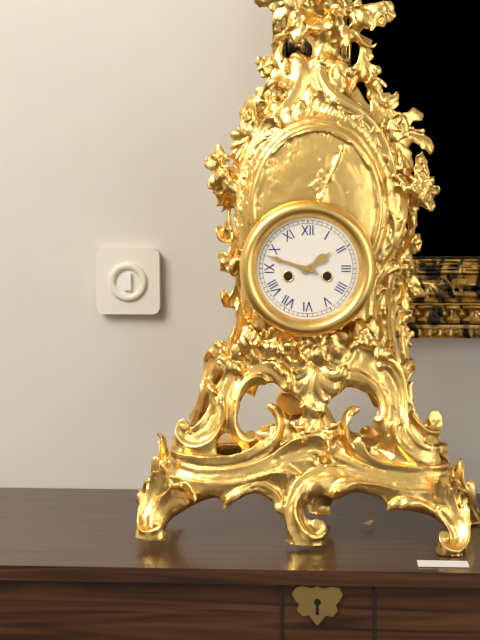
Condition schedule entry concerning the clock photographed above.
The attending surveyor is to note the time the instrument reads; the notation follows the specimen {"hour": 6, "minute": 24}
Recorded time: {"hour": 1, "minute": 48}
